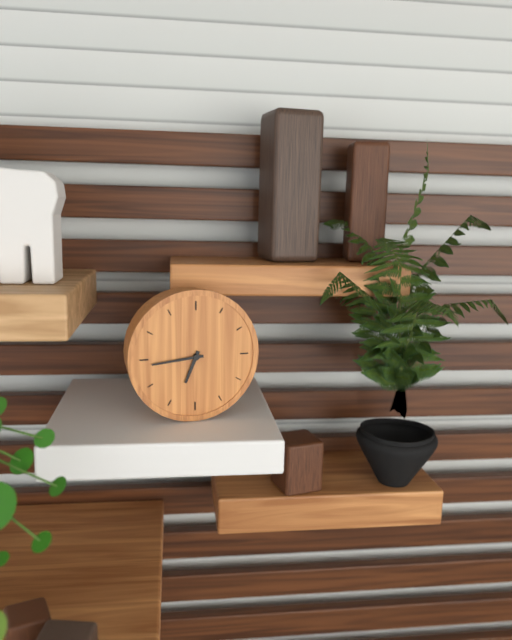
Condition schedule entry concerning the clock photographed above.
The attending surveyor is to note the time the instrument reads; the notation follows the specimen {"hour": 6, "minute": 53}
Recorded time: {"hour": 6, "minute": 44}
